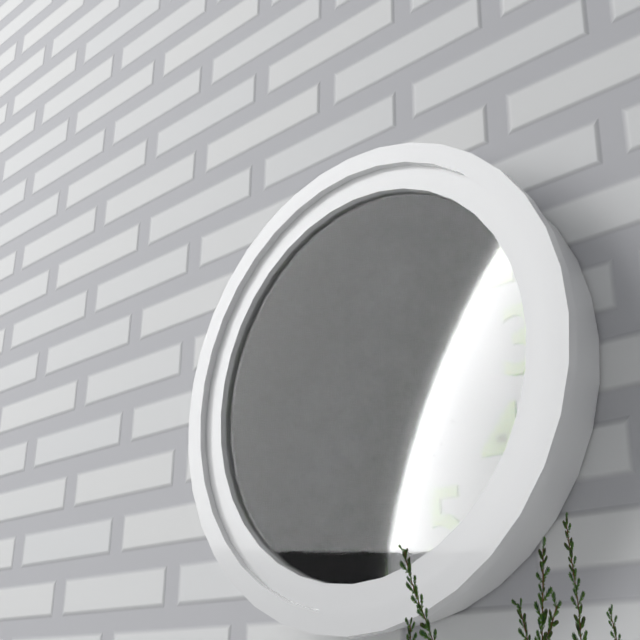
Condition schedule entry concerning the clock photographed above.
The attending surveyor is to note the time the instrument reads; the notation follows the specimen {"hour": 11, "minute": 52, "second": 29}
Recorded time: {"hour": 8, "minute": 33, "second": 7}
